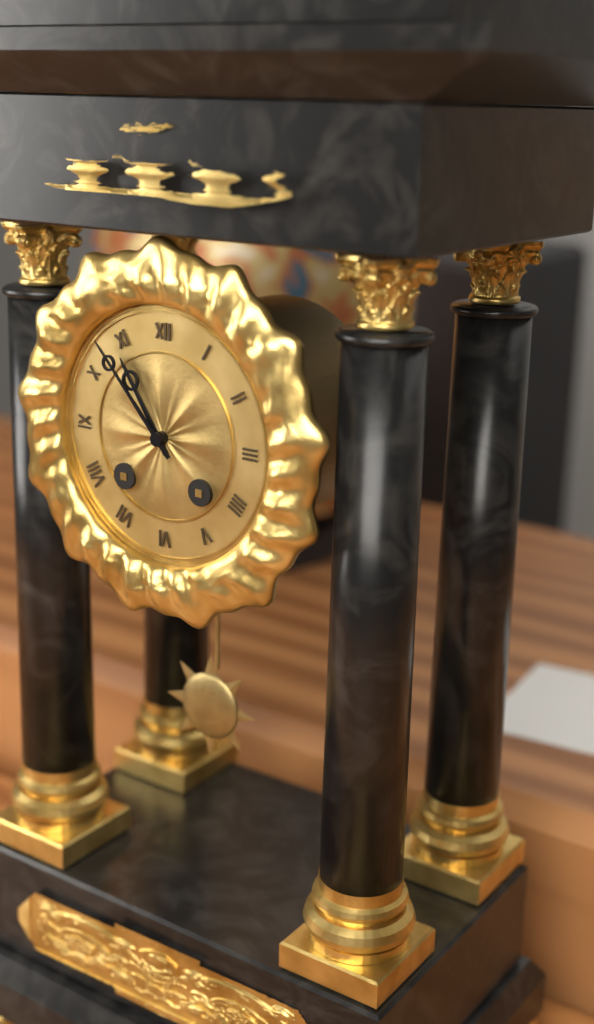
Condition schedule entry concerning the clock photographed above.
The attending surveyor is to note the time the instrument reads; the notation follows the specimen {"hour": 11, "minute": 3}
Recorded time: {"hour": 10, "minute": 53}
